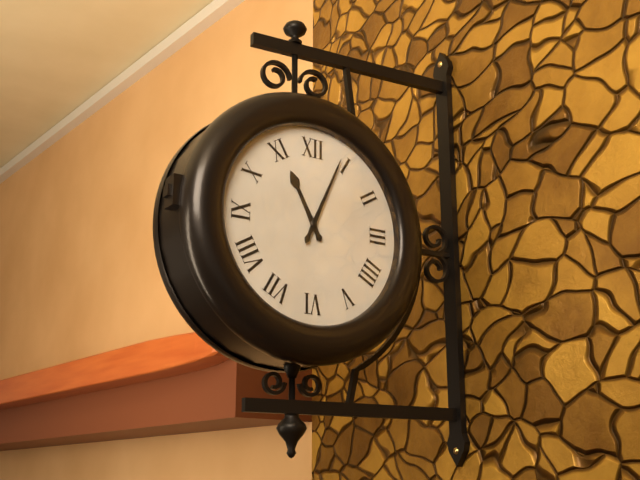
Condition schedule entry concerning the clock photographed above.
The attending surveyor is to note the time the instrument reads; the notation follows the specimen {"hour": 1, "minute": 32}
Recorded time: {"hour": 11, "minute": 4}
